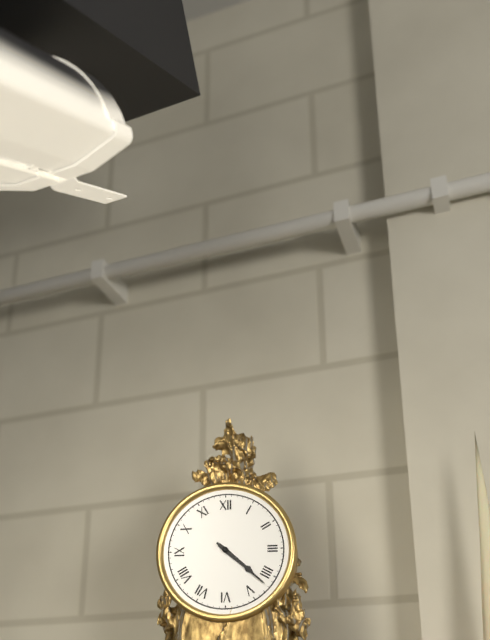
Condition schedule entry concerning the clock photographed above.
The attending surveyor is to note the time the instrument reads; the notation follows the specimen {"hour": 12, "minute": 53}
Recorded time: {"hour": 4, "minute": 22}
